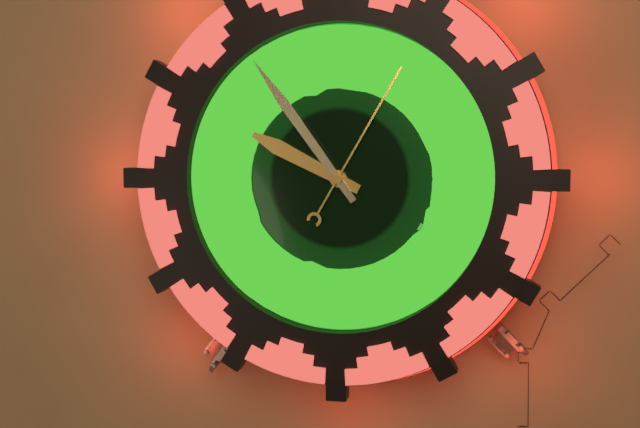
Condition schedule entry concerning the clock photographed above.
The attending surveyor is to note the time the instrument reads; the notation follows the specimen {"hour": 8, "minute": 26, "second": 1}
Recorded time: {"hour": 9, "minute": 54, "second": 5}
